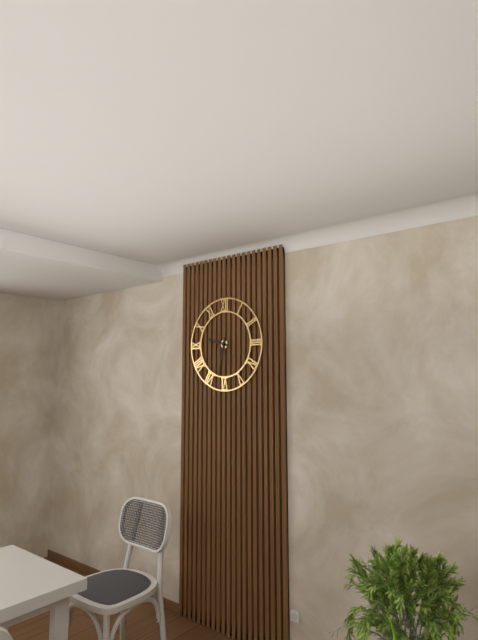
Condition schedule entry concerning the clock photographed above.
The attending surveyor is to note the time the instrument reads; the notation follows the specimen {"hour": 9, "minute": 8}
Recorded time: {"hour": 9, "minute": 32}
